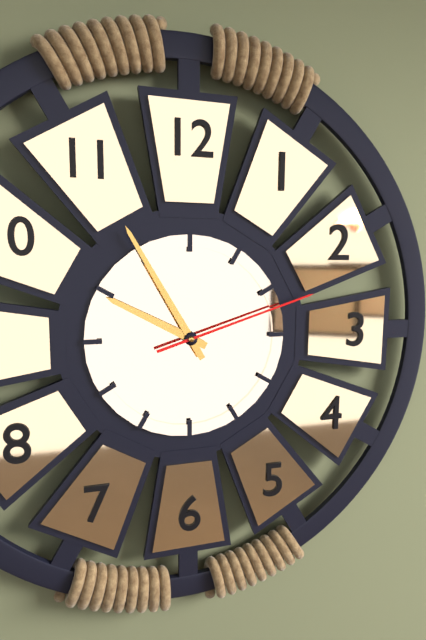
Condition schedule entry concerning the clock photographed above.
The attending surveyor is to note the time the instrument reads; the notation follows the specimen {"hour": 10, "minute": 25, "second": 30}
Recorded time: {"hour": 9, "minute": 55, "second": 12}
